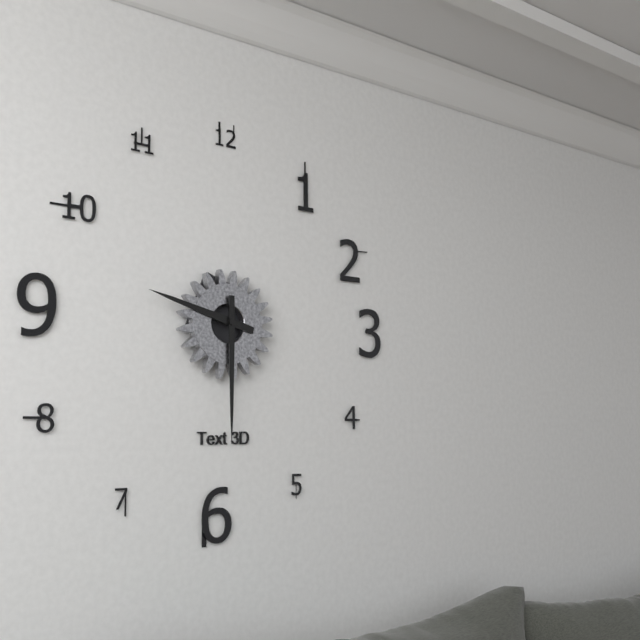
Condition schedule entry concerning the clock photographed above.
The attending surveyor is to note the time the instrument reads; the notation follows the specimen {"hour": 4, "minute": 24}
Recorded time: {"hour": 9, "minute": 30}
